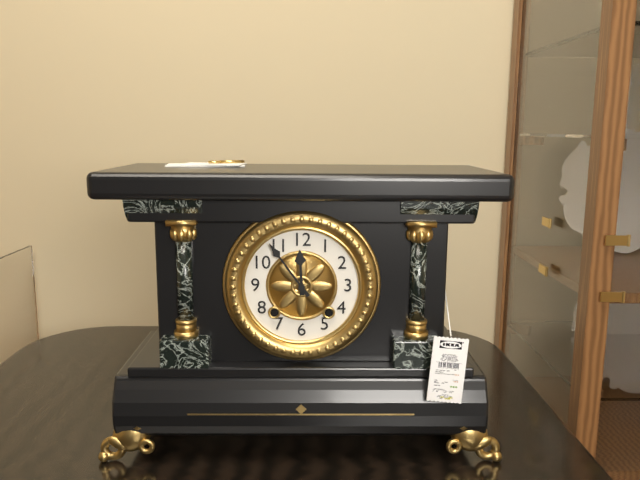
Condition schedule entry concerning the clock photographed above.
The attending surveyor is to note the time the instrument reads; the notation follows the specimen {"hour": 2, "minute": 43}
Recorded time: {"hour": 11, "minute": 54}
